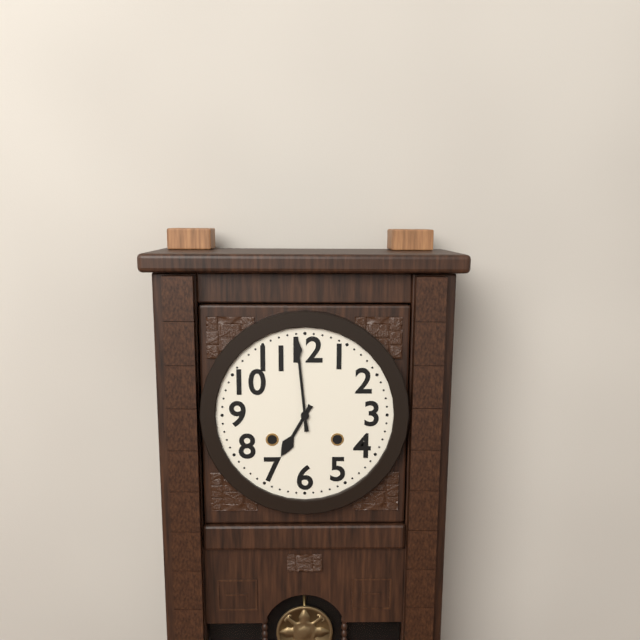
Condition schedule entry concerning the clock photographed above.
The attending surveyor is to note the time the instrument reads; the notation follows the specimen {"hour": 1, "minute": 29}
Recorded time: {"hour": 6, "minute": 59}
